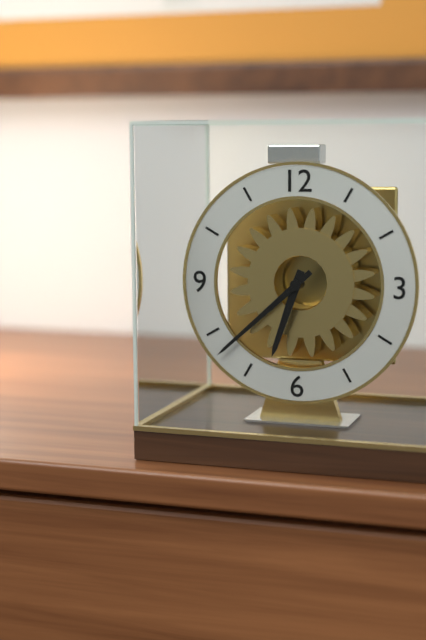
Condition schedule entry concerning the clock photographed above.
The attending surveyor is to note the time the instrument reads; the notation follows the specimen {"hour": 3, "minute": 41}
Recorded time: {"hour": 6, "minute": 38}
